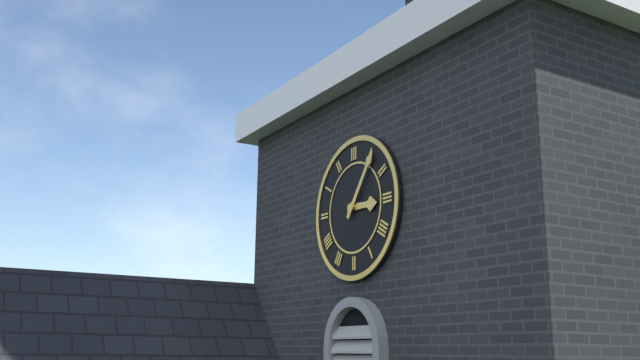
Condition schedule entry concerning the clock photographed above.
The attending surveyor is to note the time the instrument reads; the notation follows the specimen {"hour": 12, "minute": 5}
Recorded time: {"hour": 3, "minute": 6}
